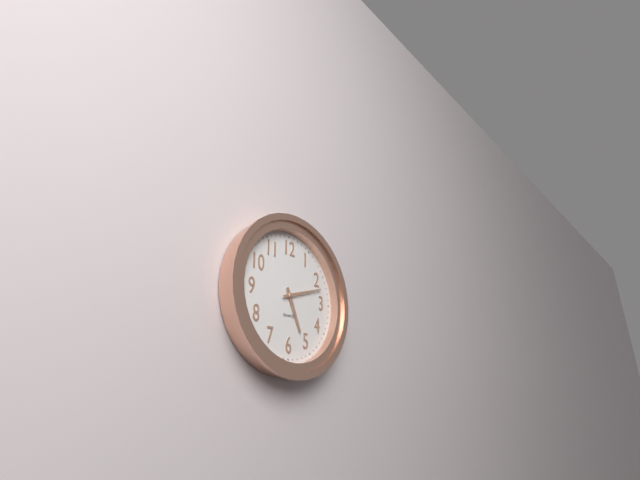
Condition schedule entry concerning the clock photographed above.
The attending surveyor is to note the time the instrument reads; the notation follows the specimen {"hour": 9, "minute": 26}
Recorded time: {"hour": 5, "minute": 12}
